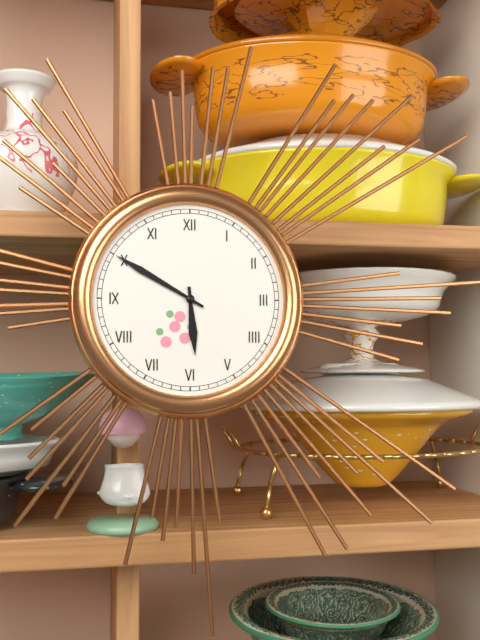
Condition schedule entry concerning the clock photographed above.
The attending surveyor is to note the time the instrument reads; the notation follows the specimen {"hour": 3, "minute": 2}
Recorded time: {"hour": 5, "minute": 50}
